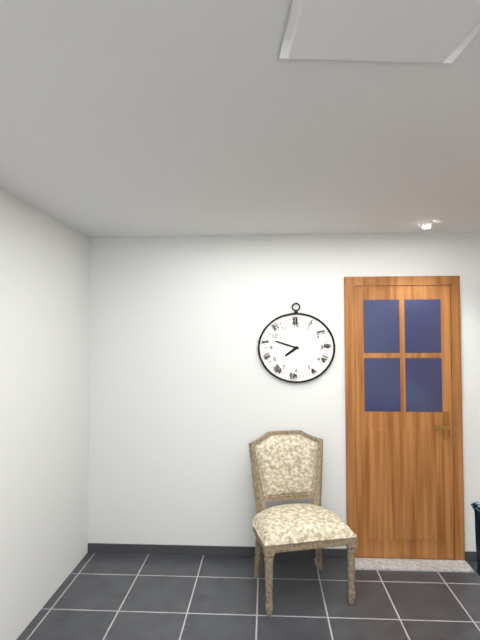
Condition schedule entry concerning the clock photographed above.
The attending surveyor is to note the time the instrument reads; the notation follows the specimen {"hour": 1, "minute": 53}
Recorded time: {"hour": 7, "minute": 48}
